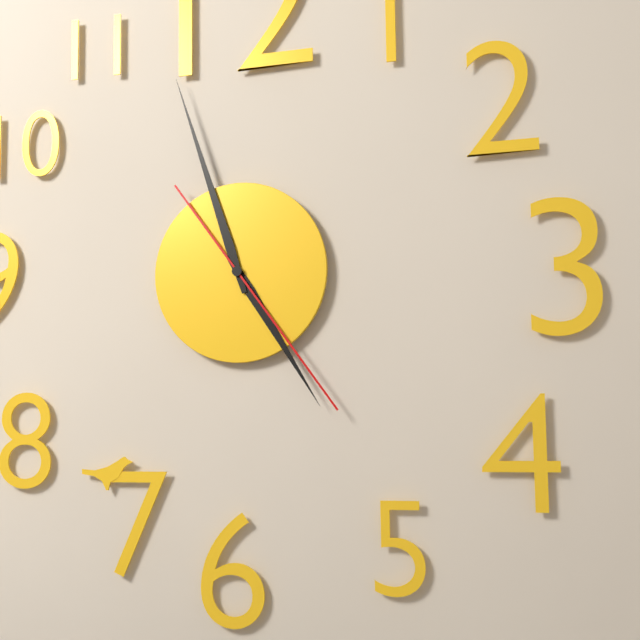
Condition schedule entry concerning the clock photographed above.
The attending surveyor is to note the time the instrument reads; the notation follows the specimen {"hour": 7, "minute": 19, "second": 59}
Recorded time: {"hour": 4, "minute": 57, "second": 24}
